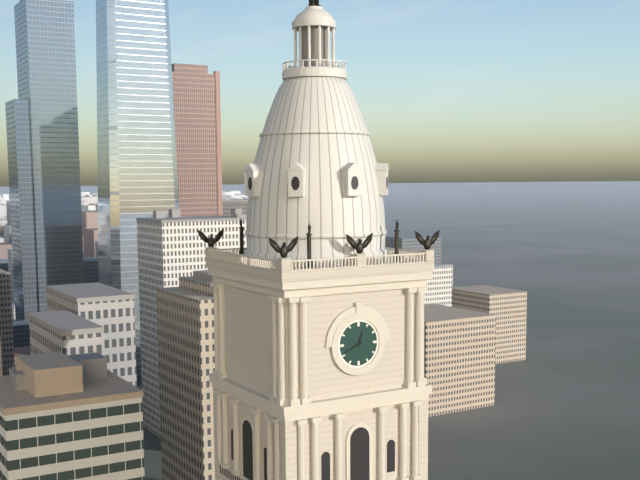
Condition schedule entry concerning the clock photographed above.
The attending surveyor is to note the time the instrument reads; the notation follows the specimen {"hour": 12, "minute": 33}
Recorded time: {"hour": 12, "minute": 41}
